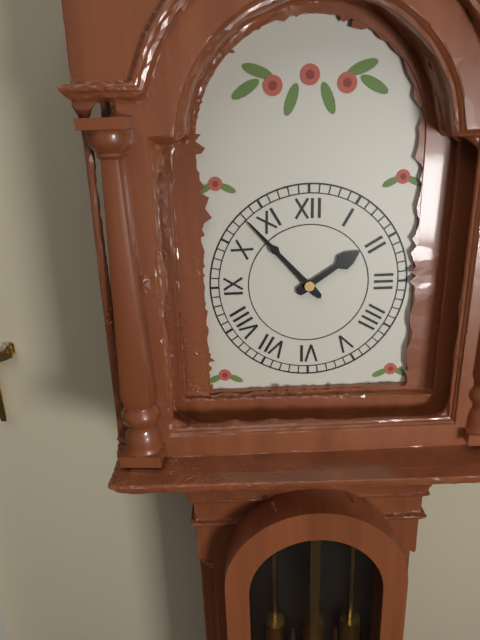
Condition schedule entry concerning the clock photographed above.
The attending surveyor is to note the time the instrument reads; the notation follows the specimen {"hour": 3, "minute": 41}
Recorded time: {"hour": 1, "minute": 53}
